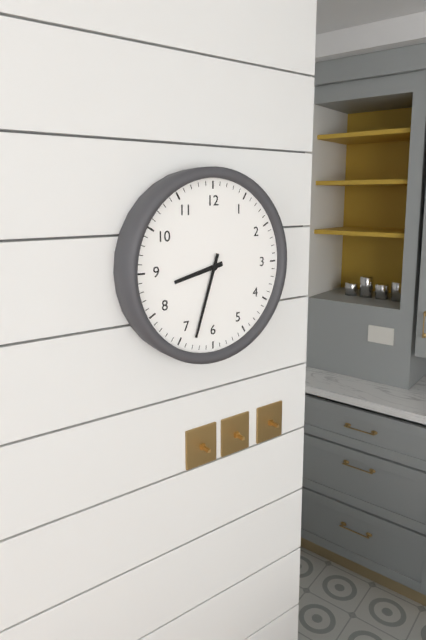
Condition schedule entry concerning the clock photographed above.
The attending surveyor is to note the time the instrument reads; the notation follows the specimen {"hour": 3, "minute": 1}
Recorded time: {"hour": 8, "minute": 33}
